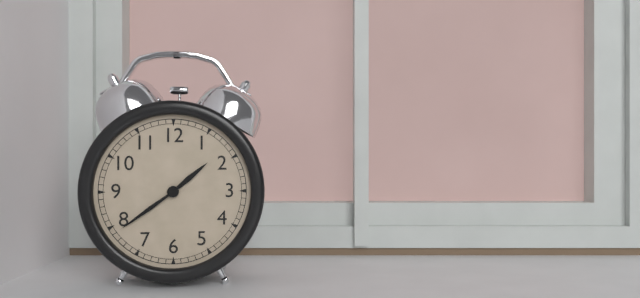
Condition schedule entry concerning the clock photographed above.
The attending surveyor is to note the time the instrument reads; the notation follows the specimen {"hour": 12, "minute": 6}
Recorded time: {"hour": 1, "minute": 39}
